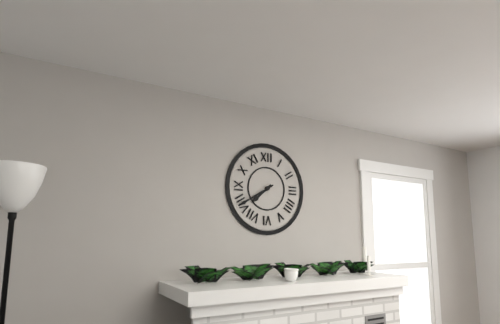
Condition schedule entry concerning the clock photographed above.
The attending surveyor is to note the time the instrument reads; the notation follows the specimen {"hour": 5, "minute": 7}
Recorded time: {"hour": 7, "minute": 40}
